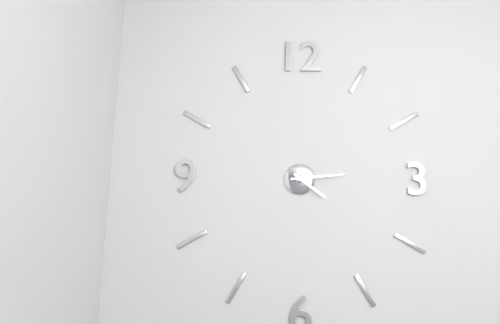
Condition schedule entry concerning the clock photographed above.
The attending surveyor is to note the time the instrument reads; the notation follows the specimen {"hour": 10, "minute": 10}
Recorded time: {"hour": 4, "minute": 14}
